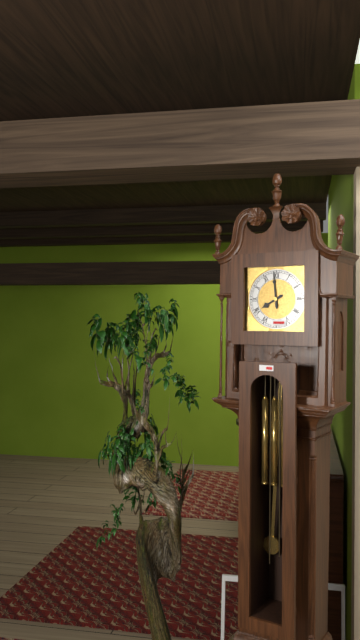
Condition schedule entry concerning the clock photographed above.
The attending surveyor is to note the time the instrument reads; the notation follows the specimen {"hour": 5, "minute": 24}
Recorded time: {"hour": 7, "minute": 59}
